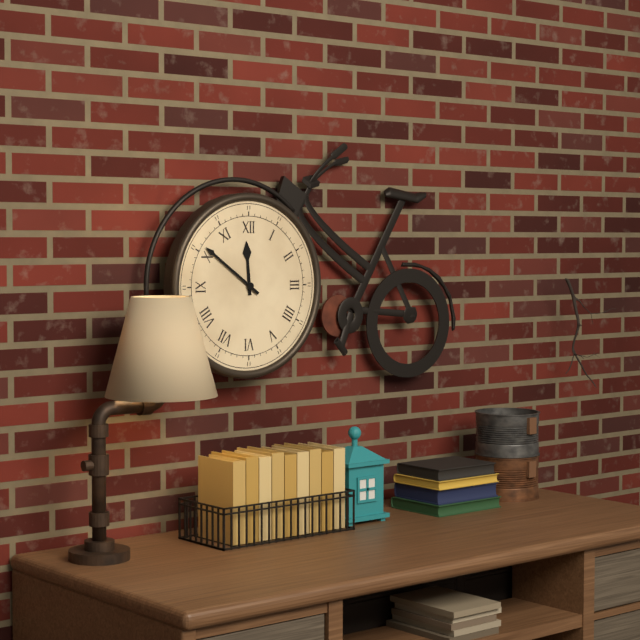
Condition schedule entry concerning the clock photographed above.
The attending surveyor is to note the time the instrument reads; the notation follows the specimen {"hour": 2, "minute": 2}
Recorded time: {"hour": 11, "minute": 51}
